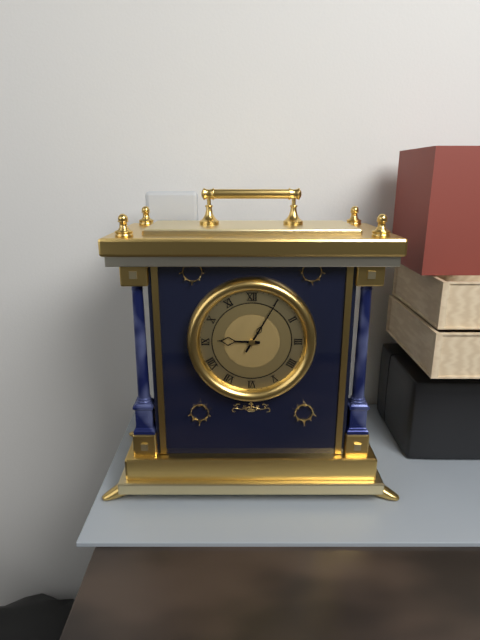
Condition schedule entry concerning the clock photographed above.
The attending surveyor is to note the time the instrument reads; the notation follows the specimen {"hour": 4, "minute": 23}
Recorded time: {"hour": 9, "minute": 5}
